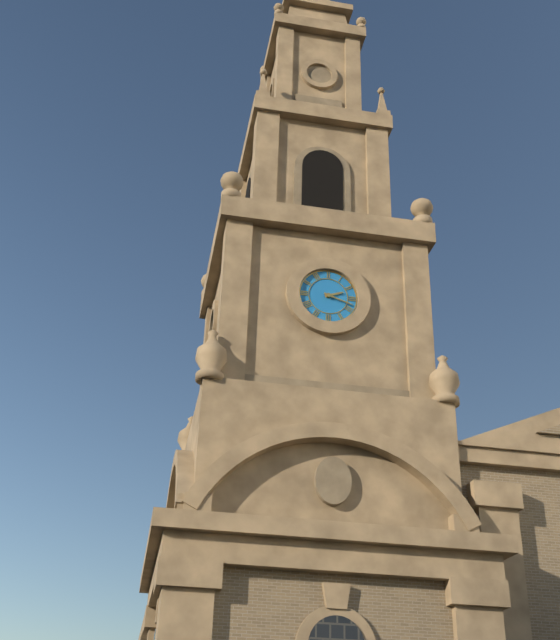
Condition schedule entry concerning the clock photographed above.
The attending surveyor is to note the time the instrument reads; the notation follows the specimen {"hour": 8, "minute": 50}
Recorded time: {"hour": 2, "minute": 18}
